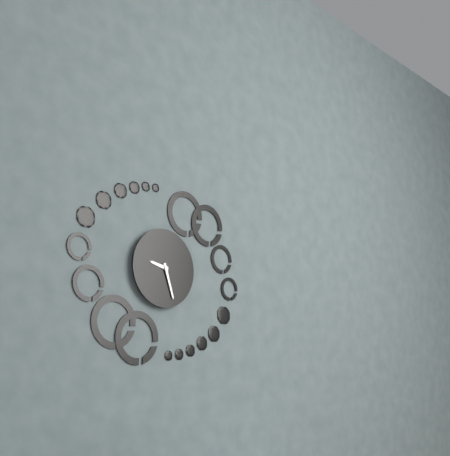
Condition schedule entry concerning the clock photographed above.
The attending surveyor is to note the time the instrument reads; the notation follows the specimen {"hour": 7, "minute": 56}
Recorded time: {"hour": 9, "minute": 27}
